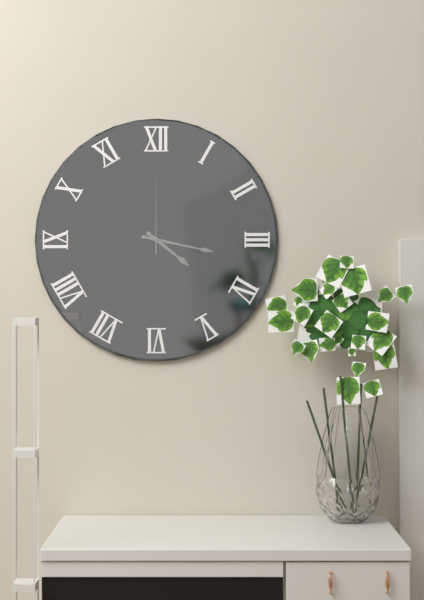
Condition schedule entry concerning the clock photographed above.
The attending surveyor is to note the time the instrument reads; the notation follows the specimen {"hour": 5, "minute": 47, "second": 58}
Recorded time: {"hour": 4, "minute": 17, "second": 0}
